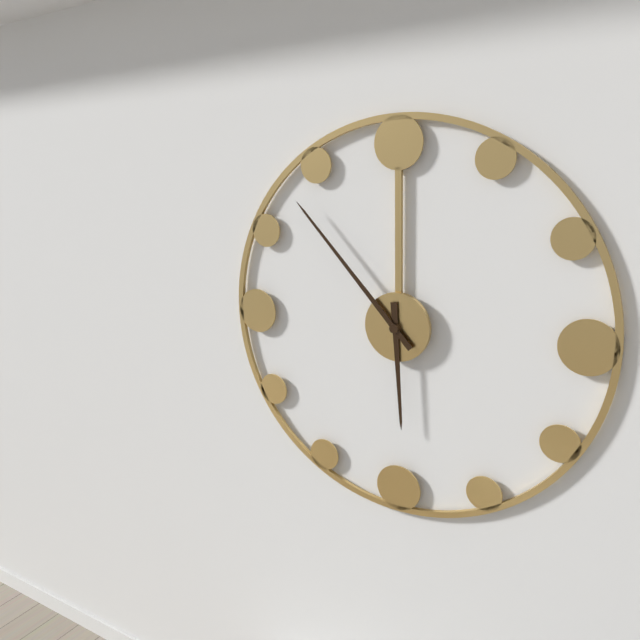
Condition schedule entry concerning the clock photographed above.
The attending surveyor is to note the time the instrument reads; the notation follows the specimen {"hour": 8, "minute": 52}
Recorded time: {"hour": 5, "minute": 53}
